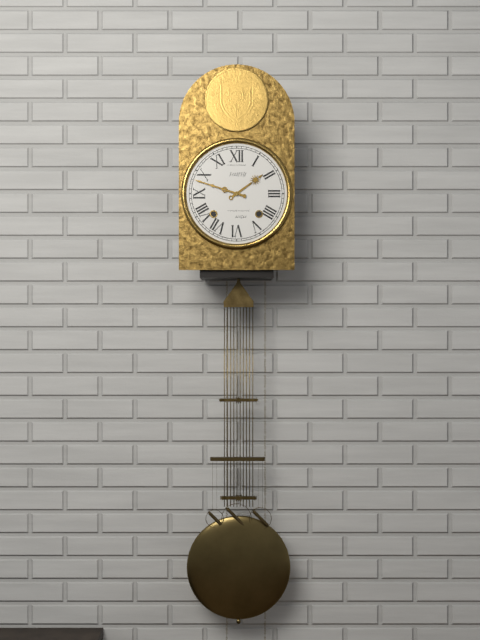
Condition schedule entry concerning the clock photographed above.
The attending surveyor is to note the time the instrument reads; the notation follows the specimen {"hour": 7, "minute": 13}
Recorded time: {"hour": 1, "minute": 48}
